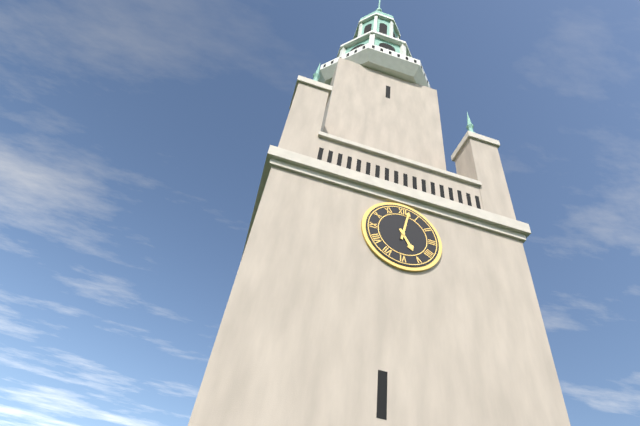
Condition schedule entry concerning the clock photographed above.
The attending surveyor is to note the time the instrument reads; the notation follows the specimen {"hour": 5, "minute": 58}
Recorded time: {"hour": 5, "minute": 2}
